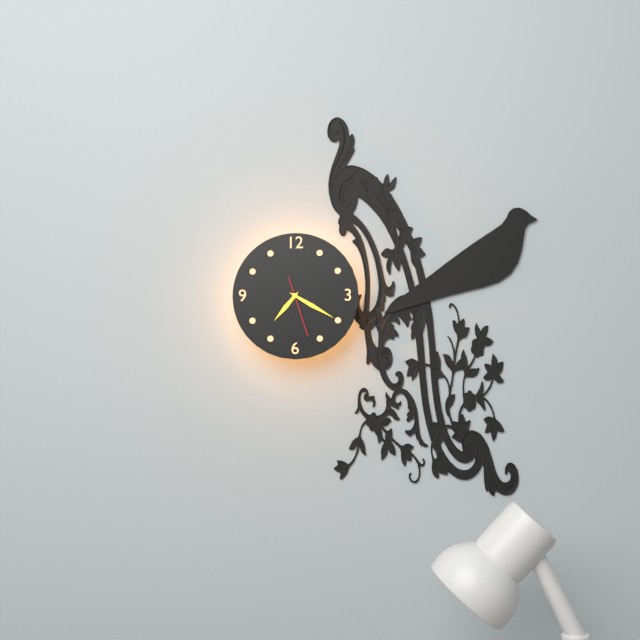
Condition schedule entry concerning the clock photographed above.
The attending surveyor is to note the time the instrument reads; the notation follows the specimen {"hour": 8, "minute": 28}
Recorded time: {"hour": 7, "minute": 20}
